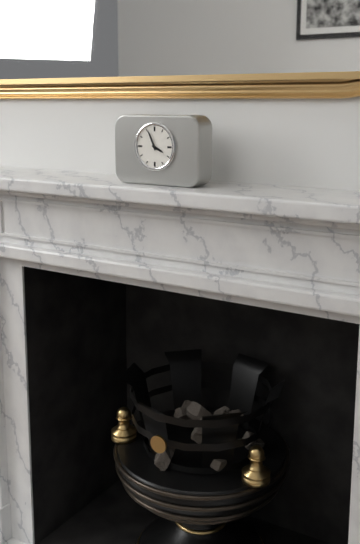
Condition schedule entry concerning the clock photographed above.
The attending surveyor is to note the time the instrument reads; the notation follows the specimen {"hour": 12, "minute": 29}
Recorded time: {"hour": 3, "minute": 56}
